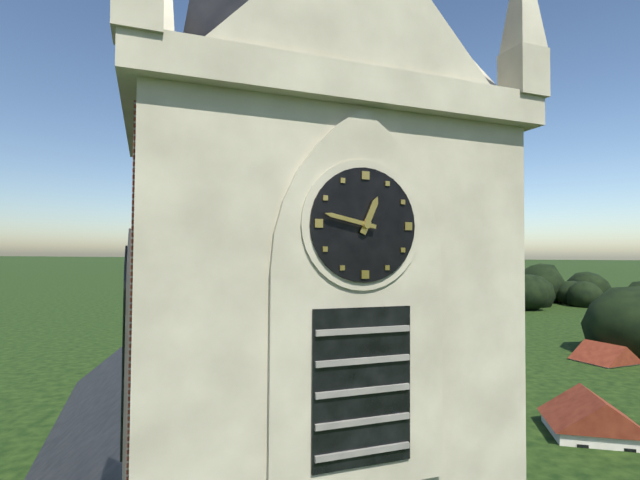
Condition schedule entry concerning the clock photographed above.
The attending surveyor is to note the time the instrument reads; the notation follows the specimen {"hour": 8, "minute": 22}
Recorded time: {"hour": 12, "minute": 47}
